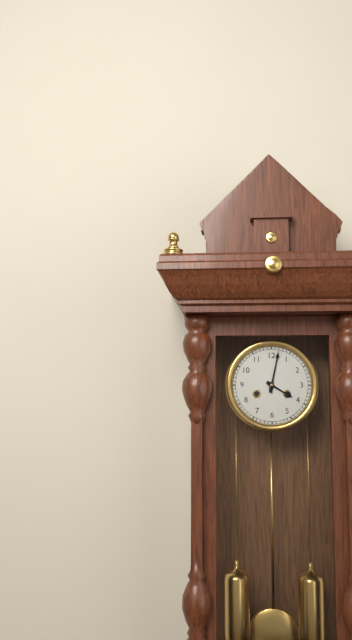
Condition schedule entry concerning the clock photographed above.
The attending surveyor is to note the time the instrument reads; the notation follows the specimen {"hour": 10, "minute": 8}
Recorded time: {"hour": 4, "minute": 2}
